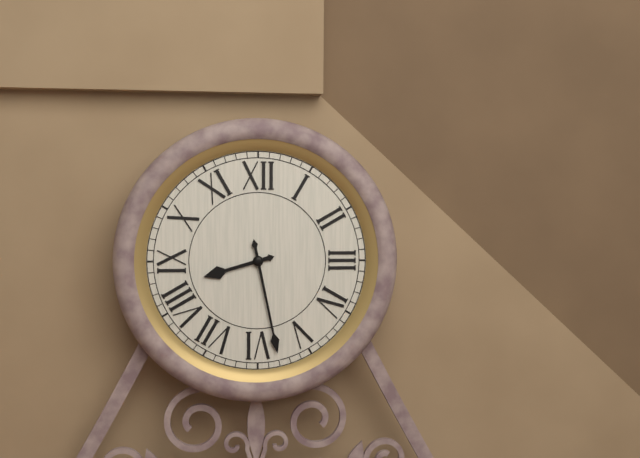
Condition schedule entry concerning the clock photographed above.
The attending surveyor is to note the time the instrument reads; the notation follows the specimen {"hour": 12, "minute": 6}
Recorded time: {"hour": 8, "minute": 28}
